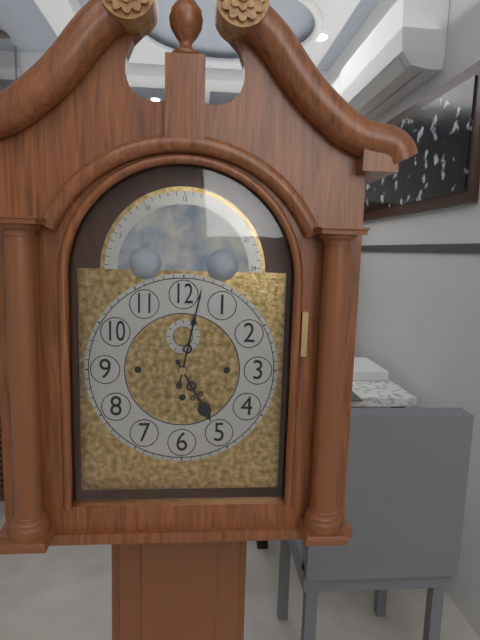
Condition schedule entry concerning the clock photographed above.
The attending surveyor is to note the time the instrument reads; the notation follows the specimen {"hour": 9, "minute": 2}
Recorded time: {"hour": 5, "minute": 2}
